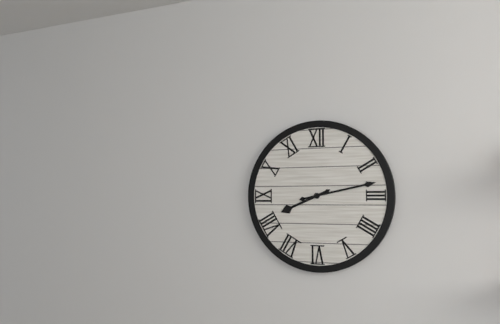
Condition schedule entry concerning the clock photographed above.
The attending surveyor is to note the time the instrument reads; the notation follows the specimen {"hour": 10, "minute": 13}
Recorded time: {"hour": 8, "minute": 13}
